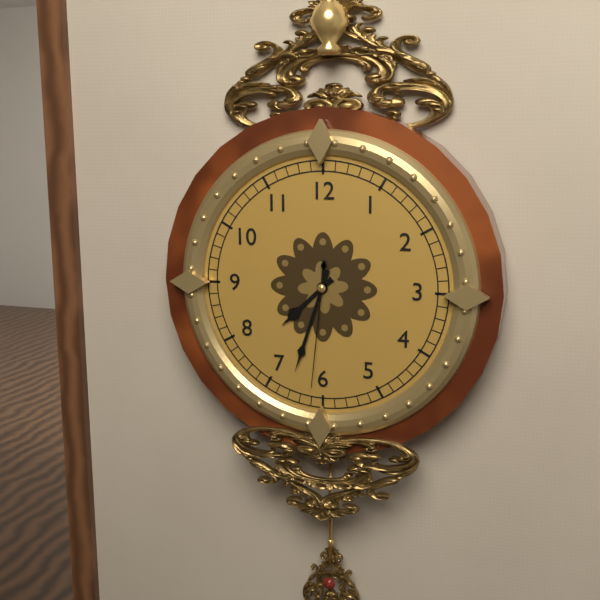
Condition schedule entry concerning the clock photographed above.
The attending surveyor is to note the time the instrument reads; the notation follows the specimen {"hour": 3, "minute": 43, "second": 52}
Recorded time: {"hour": 7, "minute": 33, "second": 31}
